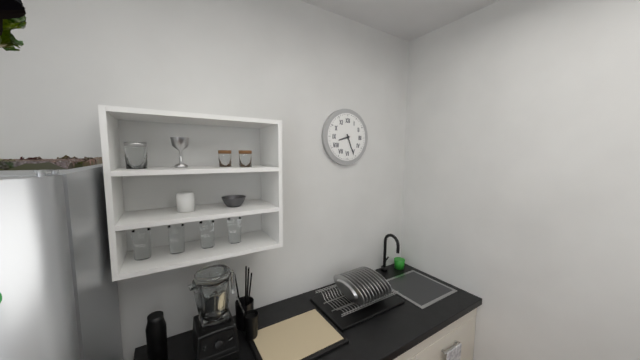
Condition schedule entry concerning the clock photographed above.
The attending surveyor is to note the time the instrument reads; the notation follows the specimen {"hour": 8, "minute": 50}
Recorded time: {"hour": 8, "minute": 26}
